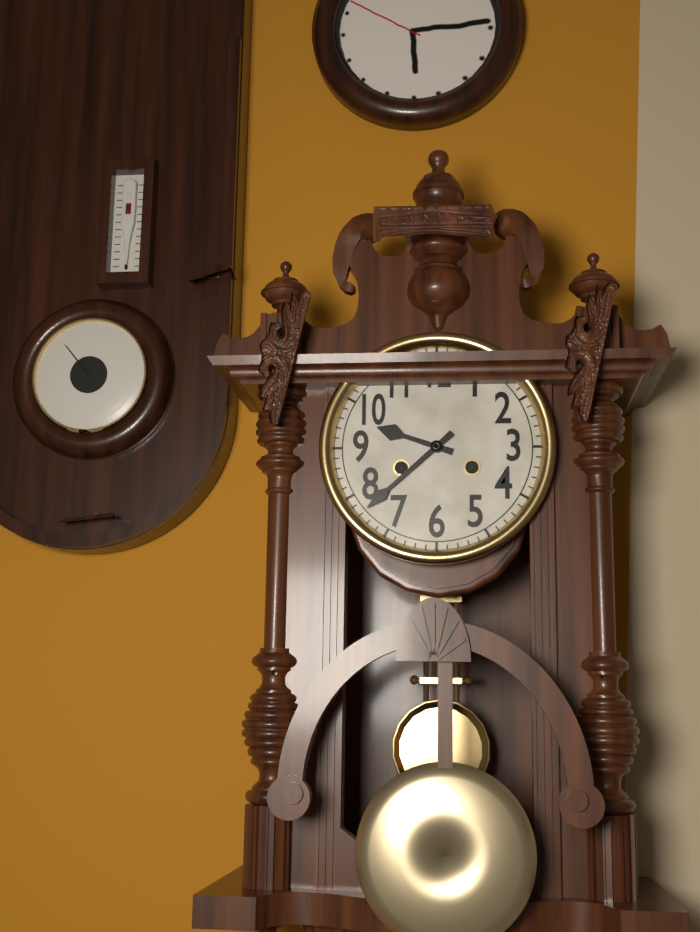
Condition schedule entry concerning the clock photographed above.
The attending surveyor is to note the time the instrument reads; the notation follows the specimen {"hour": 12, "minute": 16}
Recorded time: {"hour": 9, "minute": 38}
